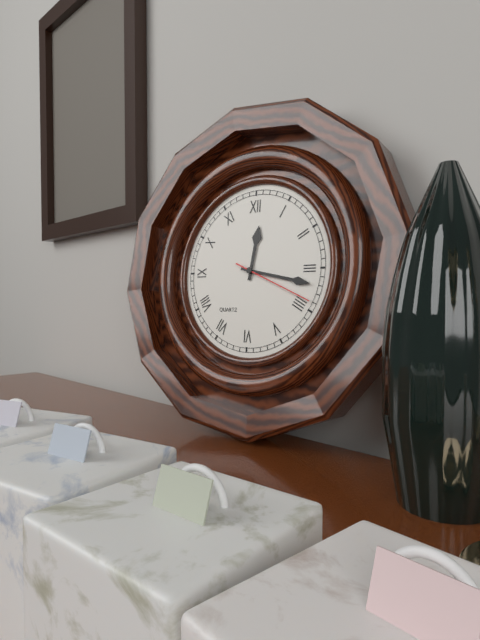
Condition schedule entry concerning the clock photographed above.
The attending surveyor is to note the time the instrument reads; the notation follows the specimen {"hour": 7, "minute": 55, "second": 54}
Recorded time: {"hour": 12, "minute": 17, "second": 19}
